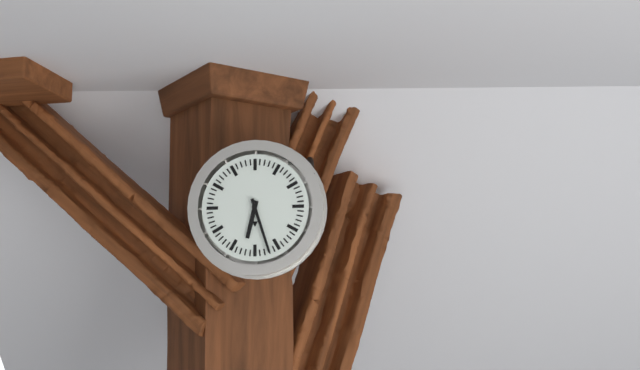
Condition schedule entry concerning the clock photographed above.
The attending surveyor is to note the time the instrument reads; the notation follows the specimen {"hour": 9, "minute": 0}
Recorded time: {"hour": 6, "minute": 27}
